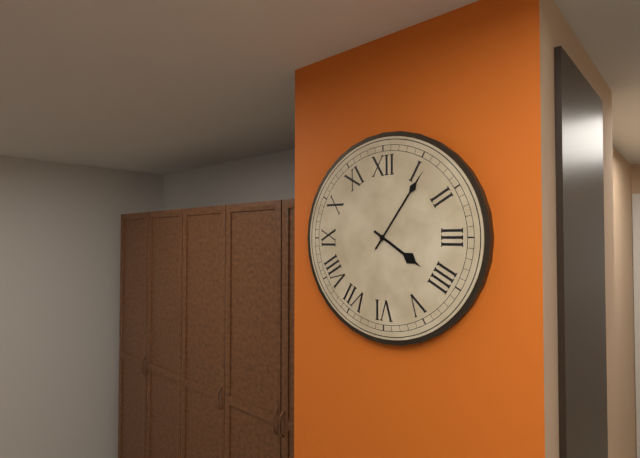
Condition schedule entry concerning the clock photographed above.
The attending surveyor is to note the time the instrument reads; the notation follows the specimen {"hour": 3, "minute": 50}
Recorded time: {"hour": 4, "minute": 6}
